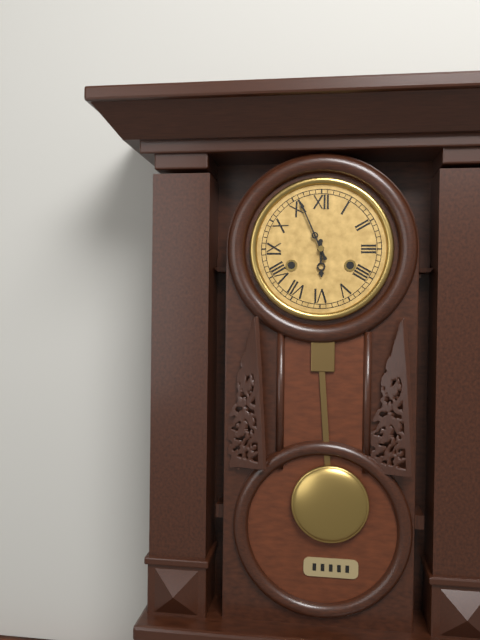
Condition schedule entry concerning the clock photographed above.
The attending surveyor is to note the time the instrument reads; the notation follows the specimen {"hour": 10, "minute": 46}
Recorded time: {"hour": 5, "minute": 56}
